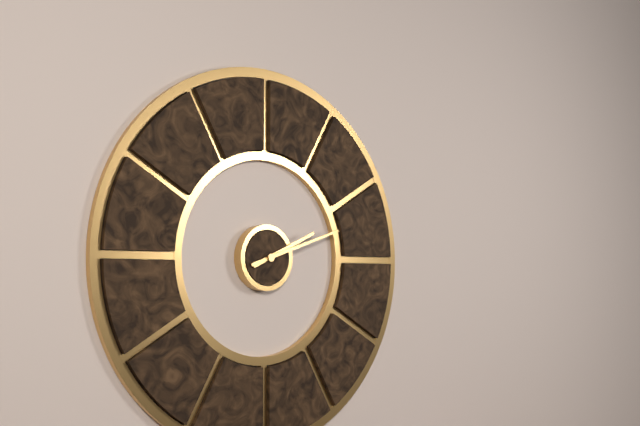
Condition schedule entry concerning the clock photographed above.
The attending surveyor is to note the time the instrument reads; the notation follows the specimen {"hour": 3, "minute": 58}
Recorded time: {"hour": 2, "minute": 12}
